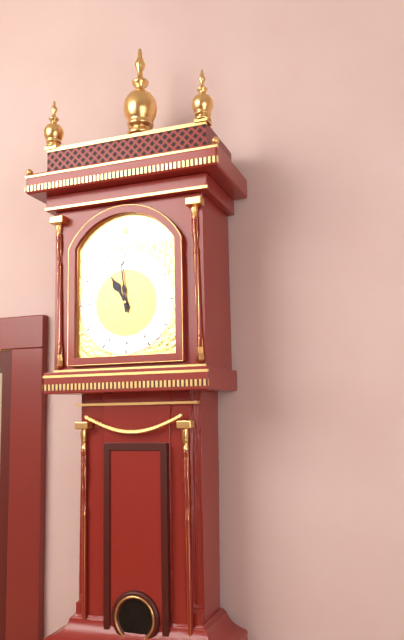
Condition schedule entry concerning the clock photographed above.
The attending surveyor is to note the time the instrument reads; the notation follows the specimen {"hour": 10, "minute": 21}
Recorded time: {"hour": 10, "minute": 59}
